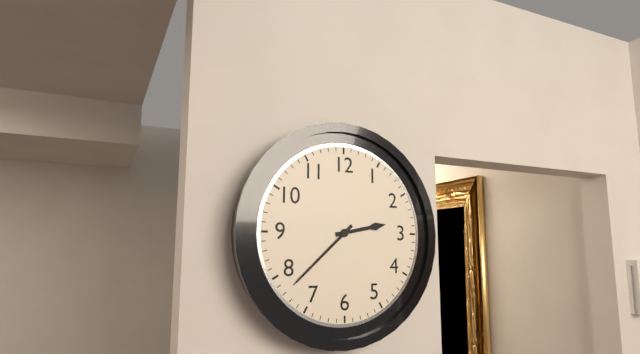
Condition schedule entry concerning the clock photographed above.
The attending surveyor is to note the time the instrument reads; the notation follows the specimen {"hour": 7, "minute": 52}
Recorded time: {"hour": 2, "minute": 38}
